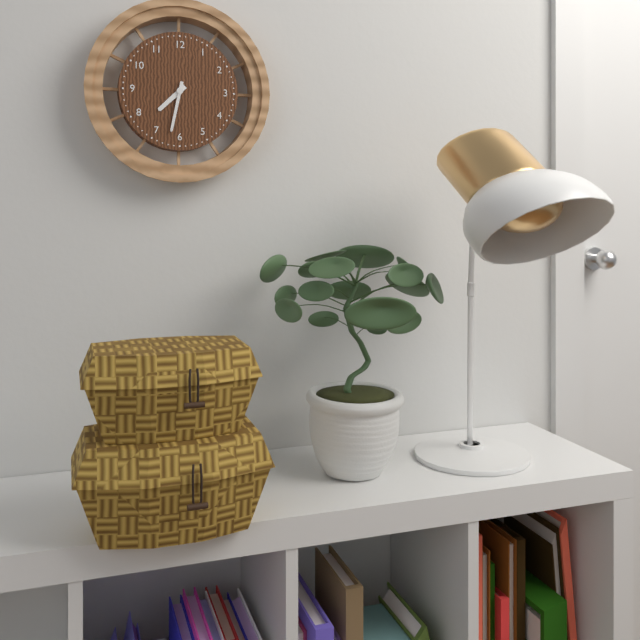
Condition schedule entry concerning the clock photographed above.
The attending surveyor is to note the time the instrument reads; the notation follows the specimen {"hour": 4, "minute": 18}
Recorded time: {"hour": 7, "minute": 32}
